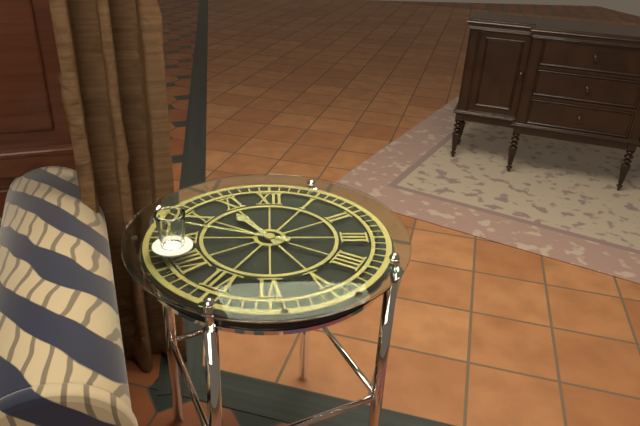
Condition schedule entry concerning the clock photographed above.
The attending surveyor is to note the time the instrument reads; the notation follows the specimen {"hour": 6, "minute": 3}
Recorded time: {"hour": 10, "minute": 48}
